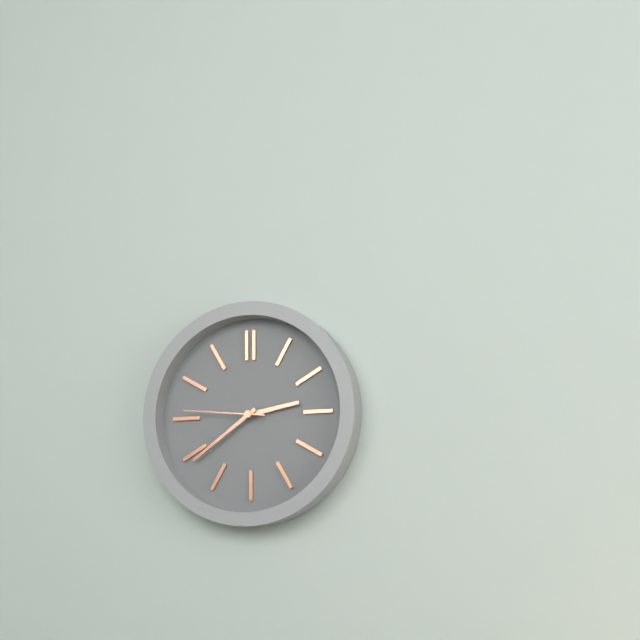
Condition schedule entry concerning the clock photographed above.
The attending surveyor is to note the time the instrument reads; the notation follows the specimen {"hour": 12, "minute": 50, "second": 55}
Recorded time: {"hour": 2, "minute": 39, "second": 46}
